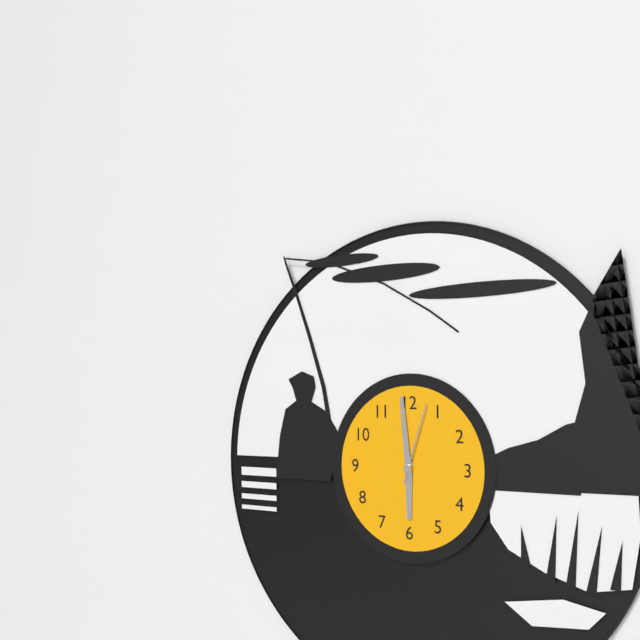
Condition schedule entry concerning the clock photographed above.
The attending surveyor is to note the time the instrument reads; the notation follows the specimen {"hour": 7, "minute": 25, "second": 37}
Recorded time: {"hour": 5, "minute": 59, "second": 3}
